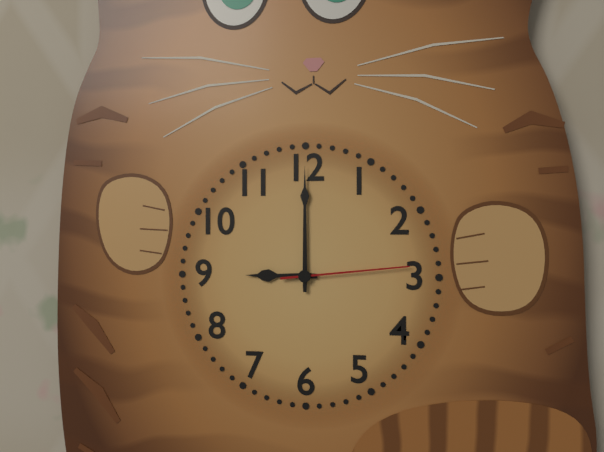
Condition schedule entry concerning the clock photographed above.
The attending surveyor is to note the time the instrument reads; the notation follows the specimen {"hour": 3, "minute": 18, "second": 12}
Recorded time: {"hour": 9, "minute": 0, "second": 14}
